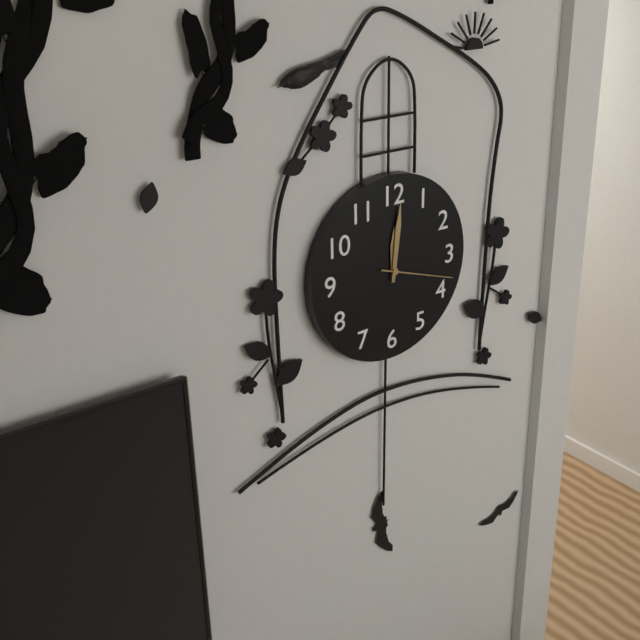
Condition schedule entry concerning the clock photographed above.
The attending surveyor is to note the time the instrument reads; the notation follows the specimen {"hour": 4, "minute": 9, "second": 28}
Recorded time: {"hour": 12, "minute": 1, "second": 18}
